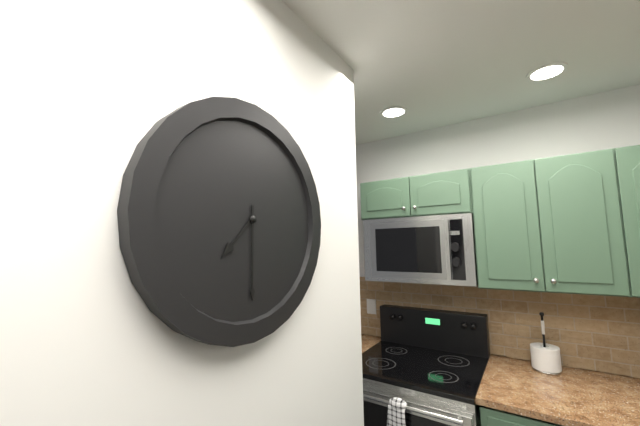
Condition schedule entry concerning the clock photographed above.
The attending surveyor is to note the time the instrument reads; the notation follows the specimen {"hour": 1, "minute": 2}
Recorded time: {"hour": 7, "minute": 30}
